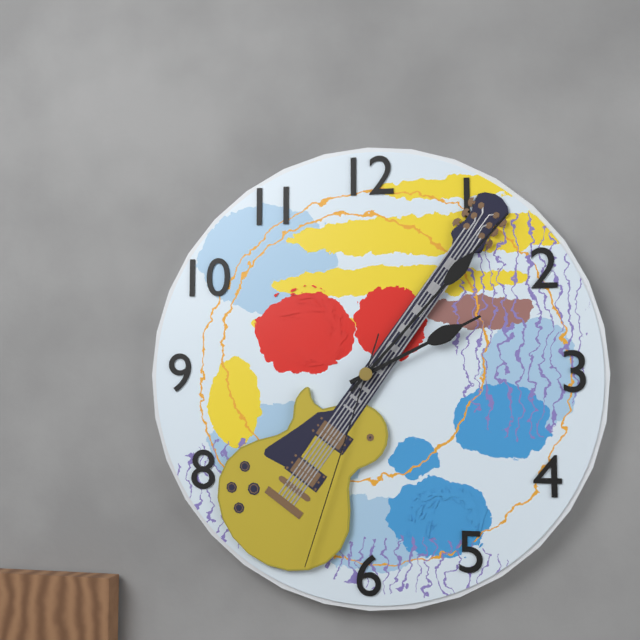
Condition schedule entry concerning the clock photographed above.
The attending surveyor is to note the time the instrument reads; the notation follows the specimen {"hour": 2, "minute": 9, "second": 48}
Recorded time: {"hour": 2, "minute": 7, "second": 33}
